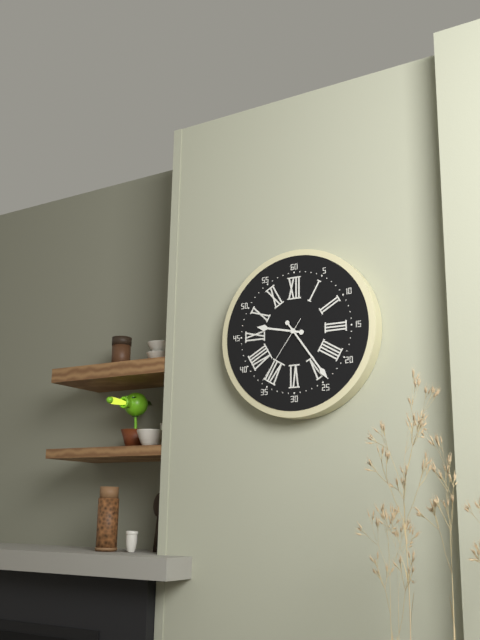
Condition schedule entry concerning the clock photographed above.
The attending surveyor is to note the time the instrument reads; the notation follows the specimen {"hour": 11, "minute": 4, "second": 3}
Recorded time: {"hour": 9, "minute": 24, "second": 36}
